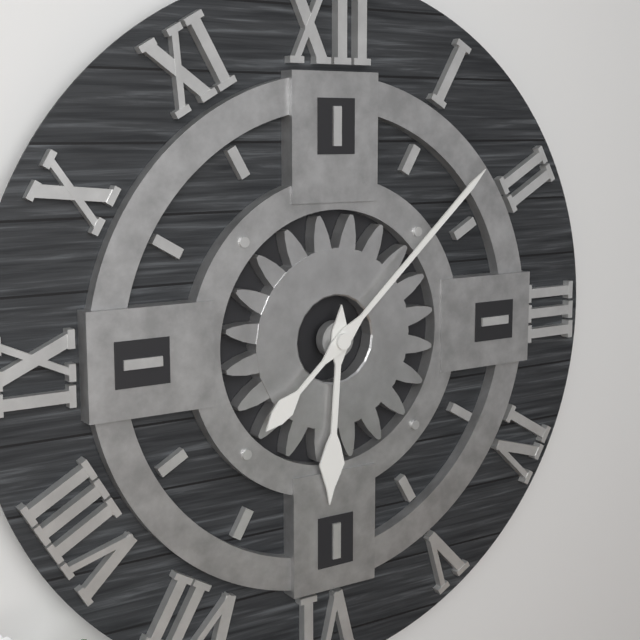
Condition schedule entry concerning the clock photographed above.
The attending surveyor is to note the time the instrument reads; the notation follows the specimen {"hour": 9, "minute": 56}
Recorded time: {"hour": 6, "minute": 8}
